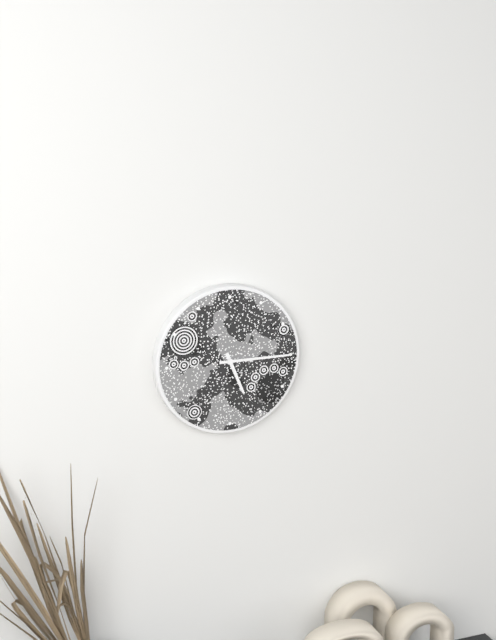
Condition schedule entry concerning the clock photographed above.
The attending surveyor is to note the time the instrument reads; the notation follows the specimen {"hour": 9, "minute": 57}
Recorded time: {"hour": 5, "minute": 15}
